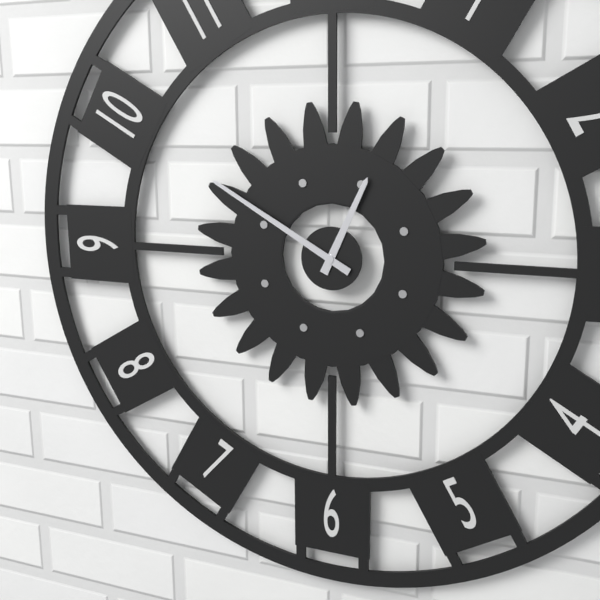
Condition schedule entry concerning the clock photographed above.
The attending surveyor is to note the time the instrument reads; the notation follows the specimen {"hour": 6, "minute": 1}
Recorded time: {"hour": 12, "minute": 50}
